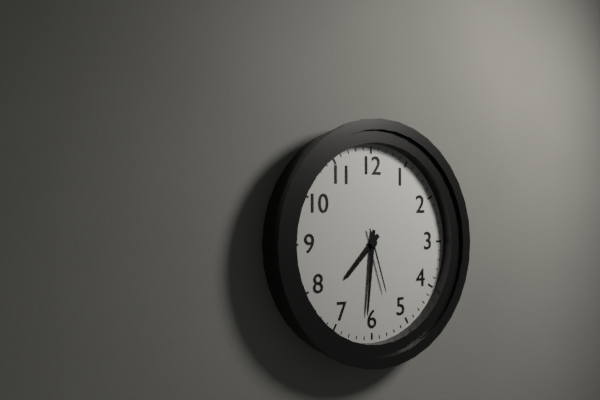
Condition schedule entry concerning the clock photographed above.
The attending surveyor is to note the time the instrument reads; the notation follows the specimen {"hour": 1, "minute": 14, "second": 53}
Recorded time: {"hour": 7, "minute": 31, "second": 27}
